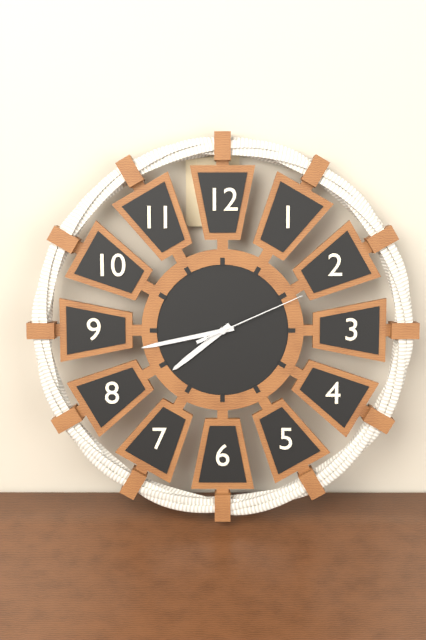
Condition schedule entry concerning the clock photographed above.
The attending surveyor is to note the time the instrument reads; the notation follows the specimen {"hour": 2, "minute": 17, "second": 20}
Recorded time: {"hour": 7, "minute": 43, "second": 11}
